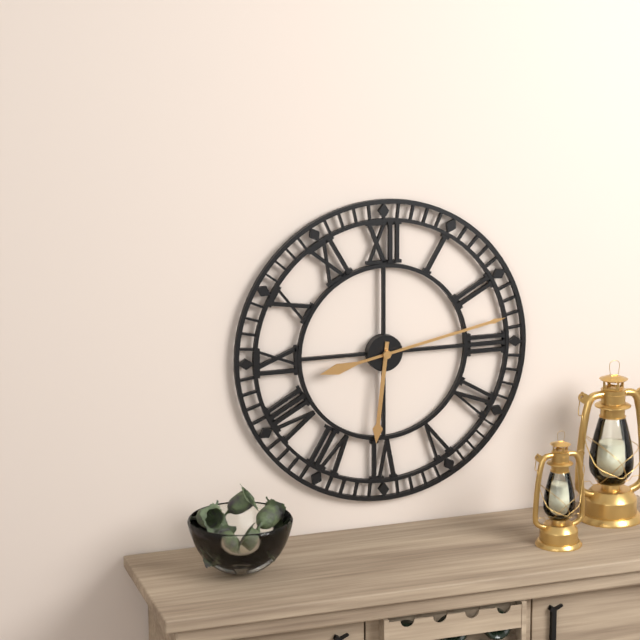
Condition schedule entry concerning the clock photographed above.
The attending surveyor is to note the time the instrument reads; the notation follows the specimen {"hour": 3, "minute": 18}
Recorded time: {"hour": 6, "minute": 13}
